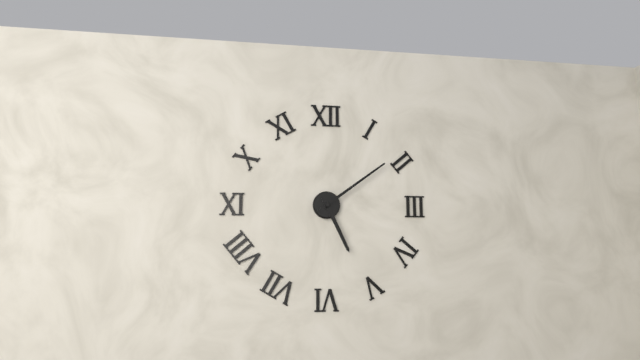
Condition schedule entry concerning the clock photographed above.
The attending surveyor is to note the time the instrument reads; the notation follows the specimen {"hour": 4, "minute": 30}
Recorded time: {"hour": 5, "minute": 9}
